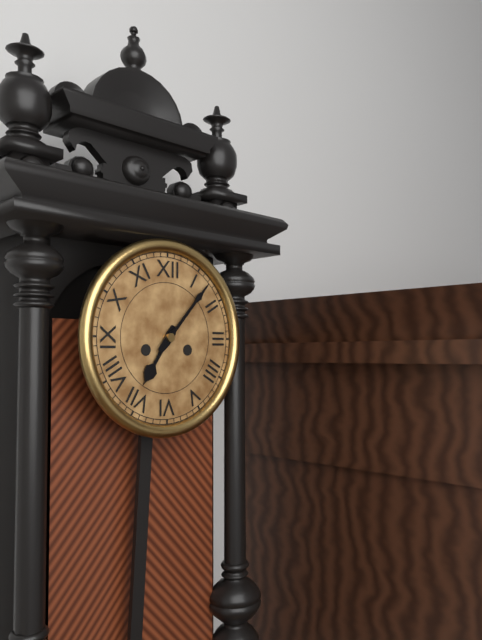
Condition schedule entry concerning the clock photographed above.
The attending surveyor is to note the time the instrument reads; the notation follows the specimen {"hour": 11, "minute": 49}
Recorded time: {"hour": 7, "minute": 7}
